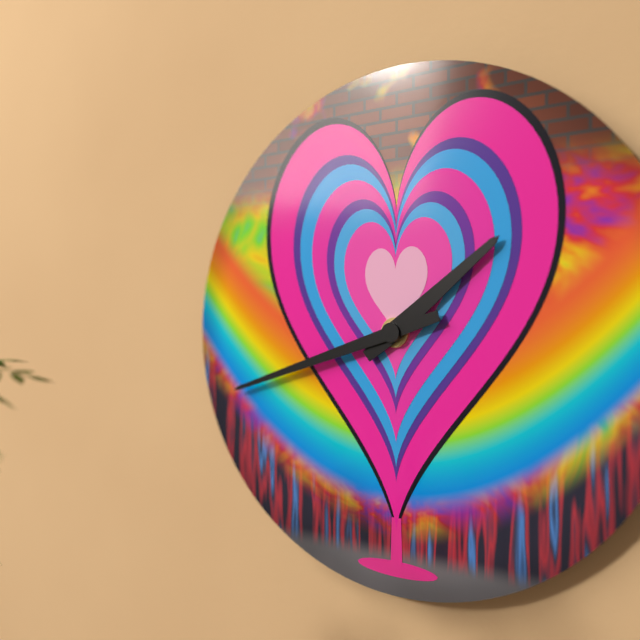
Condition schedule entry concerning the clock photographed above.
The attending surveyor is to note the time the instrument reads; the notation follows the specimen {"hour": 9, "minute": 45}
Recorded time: {"hour": 1, "minute": 42}
